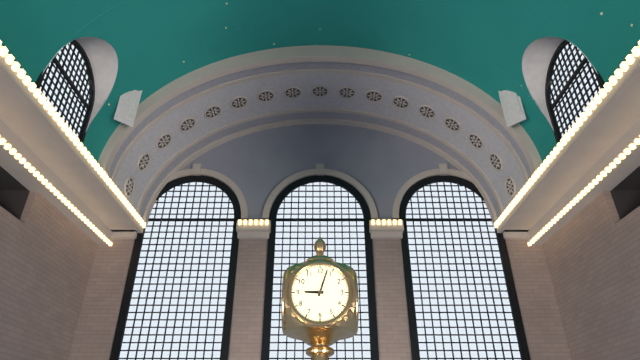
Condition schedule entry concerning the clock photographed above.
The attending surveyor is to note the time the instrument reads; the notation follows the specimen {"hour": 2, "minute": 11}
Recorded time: {"hour": 9, "minute": 3}
